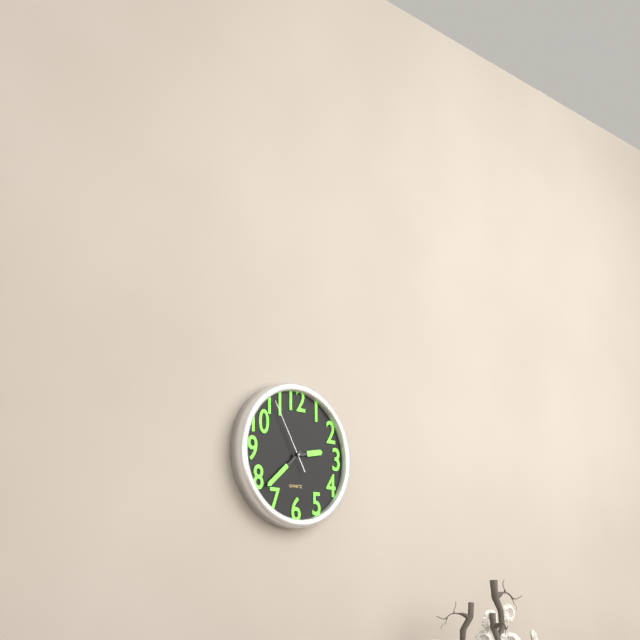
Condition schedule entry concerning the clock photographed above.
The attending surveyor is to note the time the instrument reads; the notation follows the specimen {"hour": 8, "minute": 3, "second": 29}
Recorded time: {"hour": 2, "minute": 38, "second": 55}
